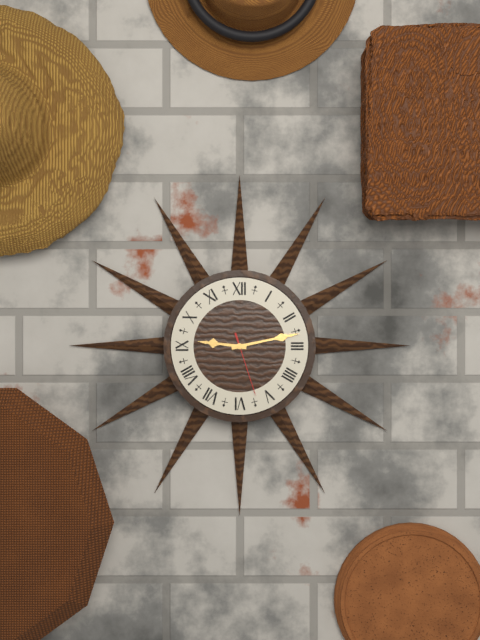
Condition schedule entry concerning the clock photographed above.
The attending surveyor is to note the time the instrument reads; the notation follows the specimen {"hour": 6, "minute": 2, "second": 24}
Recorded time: {"hour": 9, "minute": 13, "second": 27}
